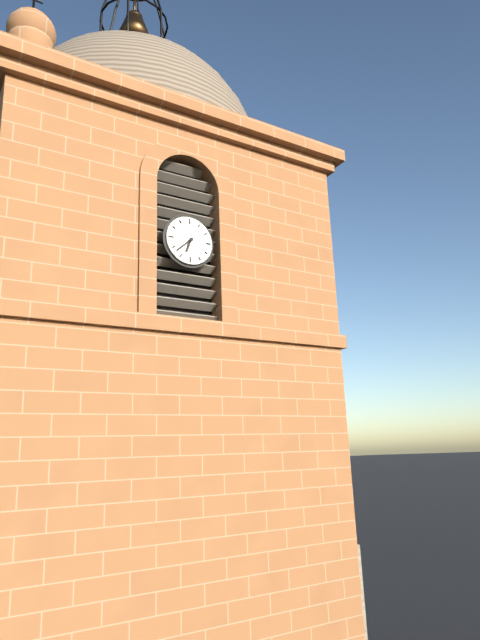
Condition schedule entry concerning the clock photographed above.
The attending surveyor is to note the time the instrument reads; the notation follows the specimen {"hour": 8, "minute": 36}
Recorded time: {"hour": 6, "minute": 38}
